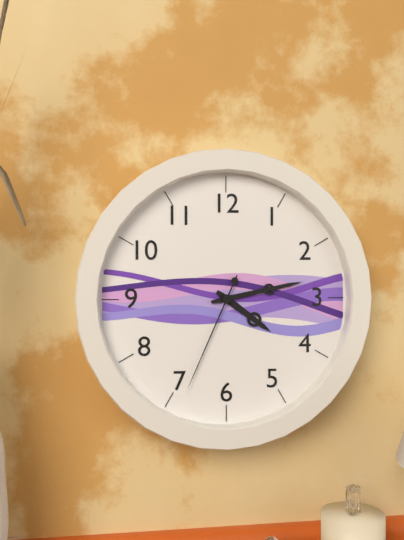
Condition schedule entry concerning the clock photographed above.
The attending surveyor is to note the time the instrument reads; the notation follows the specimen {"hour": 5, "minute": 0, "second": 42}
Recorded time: {"hour": 4, "minute": 13, "second": 34}
